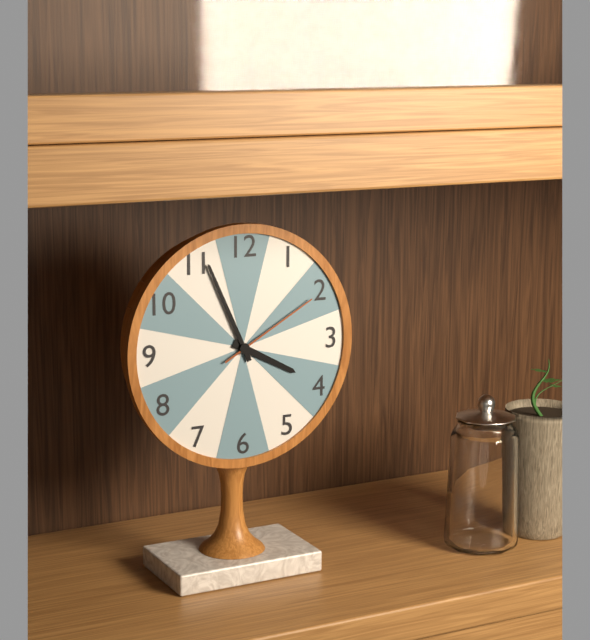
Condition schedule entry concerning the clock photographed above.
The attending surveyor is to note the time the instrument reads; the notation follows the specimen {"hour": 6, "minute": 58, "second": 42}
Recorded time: {"hour": 3, "minute": 56, "second": 10}
